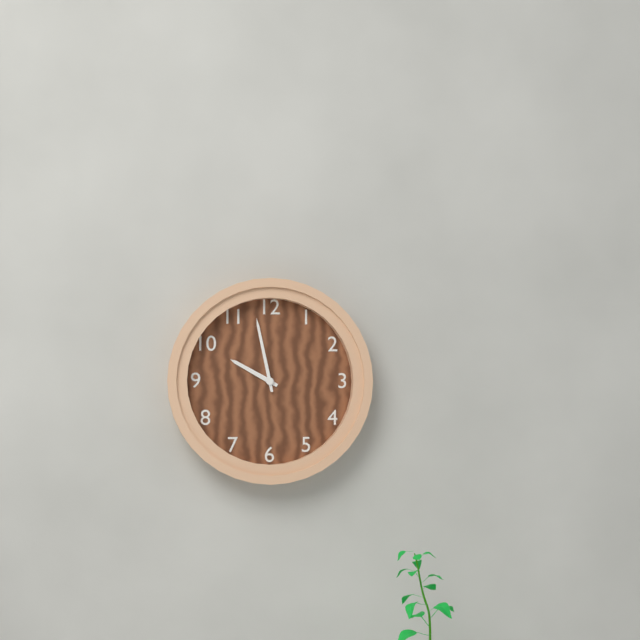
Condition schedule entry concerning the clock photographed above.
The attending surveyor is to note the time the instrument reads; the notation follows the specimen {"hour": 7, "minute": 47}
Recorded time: {"hour": 9, "minute": 58}
